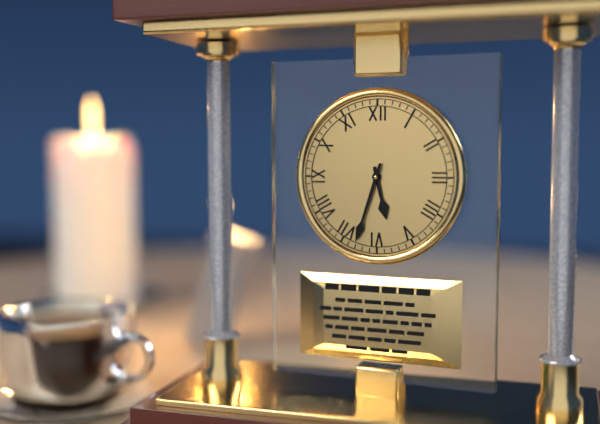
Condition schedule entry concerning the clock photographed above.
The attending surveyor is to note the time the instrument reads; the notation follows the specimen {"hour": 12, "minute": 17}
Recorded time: {"hour": 5, "minute": 33}
